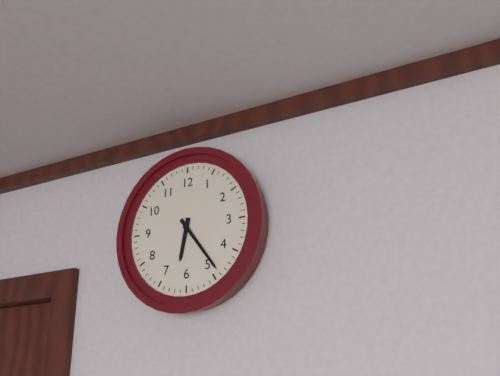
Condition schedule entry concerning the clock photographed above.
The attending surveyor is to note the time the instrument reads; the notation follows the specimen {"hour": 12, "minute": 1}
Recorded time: {"hour": 6, "minute": 24}
